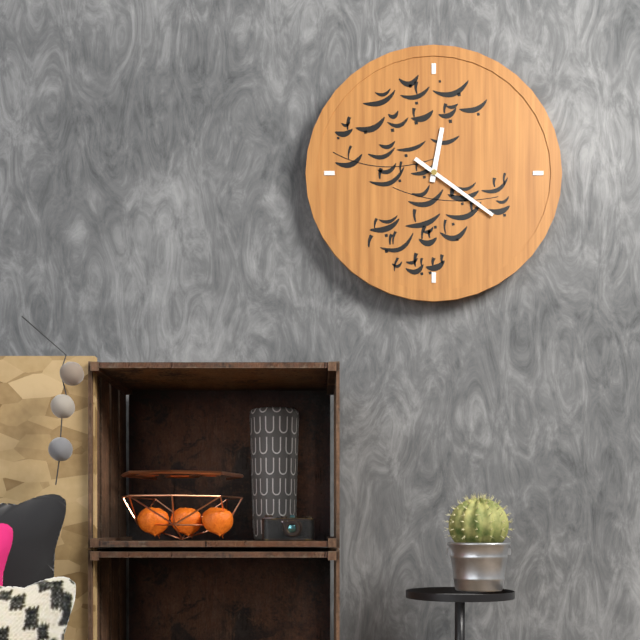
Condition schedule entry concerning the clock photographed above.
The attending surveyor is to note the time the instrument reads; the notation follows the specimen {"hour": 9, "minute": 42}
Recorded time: {"hour": 12, "minute": 21}
